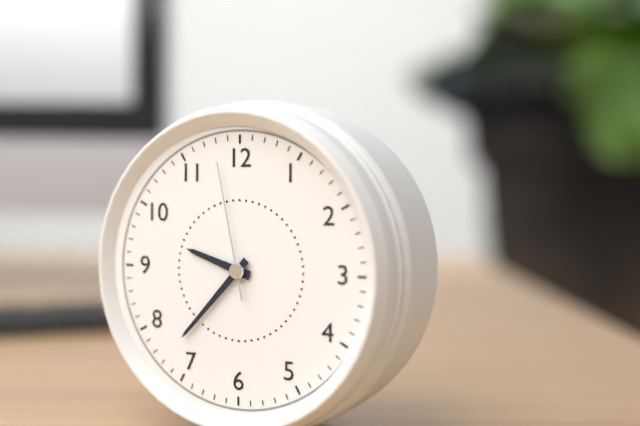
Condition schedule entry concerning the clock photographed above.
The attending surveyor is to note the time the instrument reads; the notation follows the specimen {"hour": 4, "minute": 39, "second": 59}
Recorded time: {"hour": 9, "minute": 37, "second": 58}
